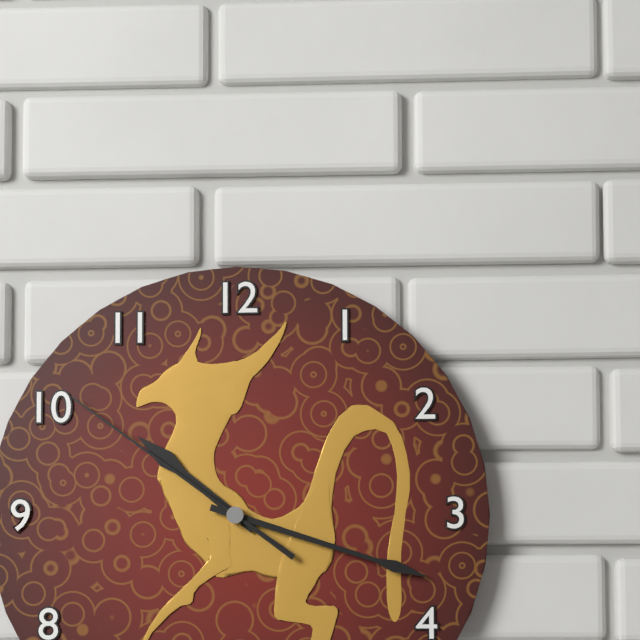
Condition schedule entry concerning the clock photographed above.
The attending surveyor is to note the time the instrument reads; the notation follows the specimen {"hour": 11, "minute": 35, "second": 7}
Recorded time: {"hour": 10, "minute": 18, "second": 51}
